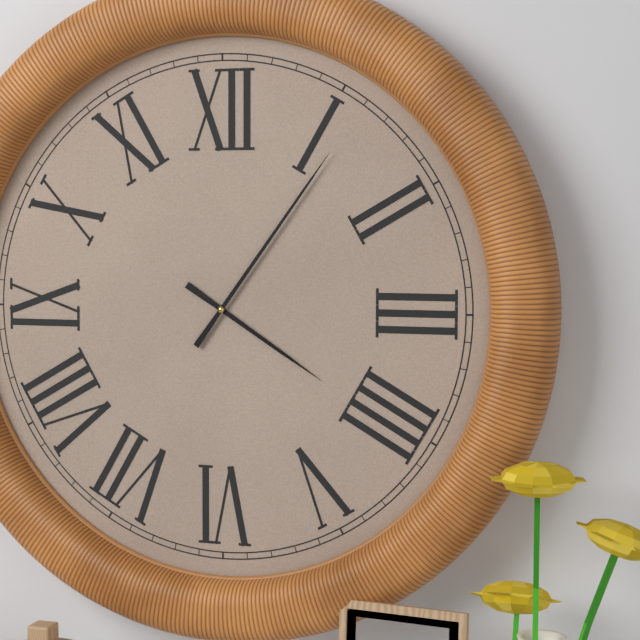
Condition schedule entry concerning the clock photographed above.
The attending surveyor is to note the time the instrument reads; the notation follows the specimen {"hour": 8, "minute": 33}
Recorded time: {"hour": 4, "minute": 6}
